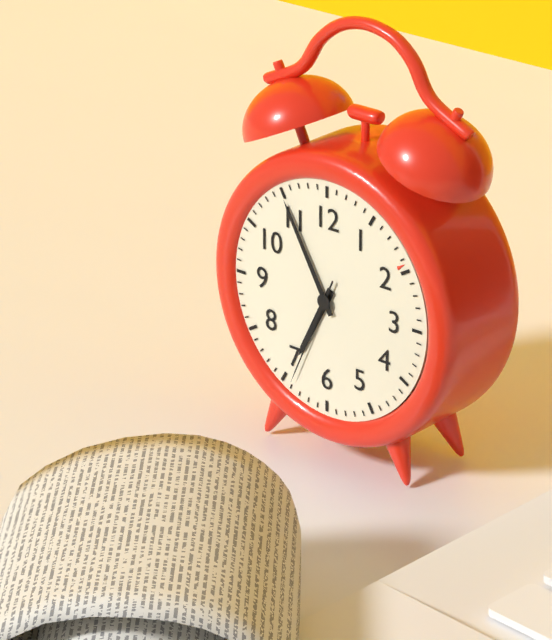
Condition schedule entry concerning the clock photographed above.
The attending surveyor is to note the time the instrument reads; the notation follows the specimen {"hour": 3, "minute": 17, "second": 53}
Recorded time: {"hour": 6, "minute": 55, "second": 34}
